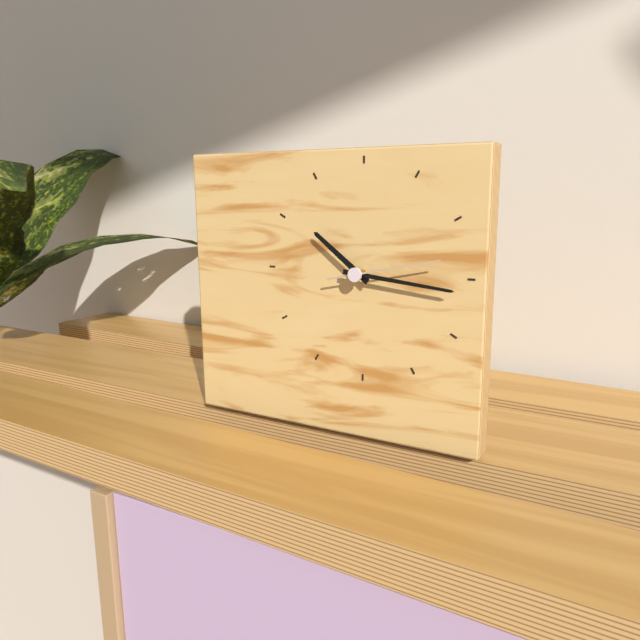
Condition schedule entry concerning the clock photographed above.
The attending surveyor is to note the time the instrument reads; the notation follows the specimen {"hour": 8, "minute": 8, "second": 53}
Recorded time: {"hour": 10, "minute": 16, "second": 13}
